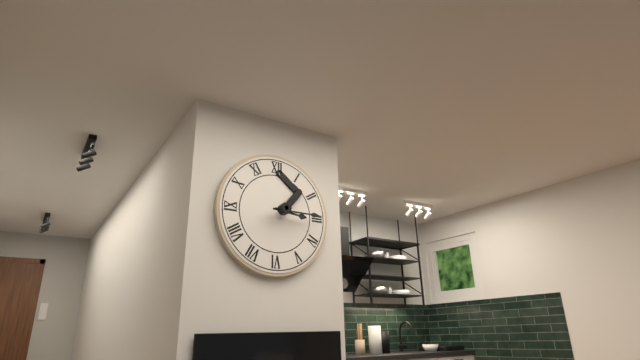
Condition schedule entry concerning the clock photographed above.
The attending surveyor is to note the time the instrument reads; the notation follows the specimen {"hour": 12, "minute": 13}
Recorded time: {"hour": 3, "minute": 15}
